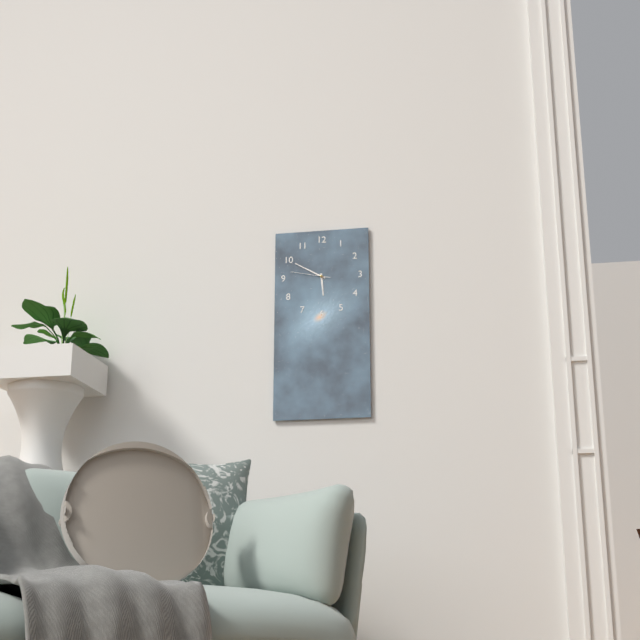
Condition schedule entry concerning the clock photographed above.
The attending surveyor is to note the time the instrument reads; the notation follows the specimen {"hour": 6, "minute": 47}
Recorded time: {"hour": 5, "minute": 50}
